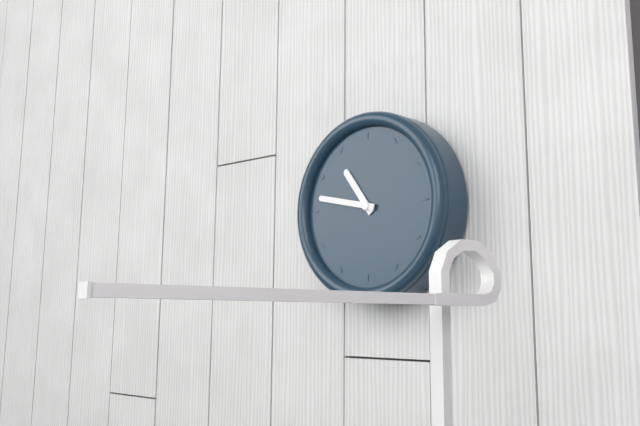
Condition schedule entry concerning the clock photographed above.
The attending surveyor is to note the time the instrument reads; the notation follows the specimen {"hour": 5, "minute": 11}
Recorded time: {"hour": 10, "minute": 47}
